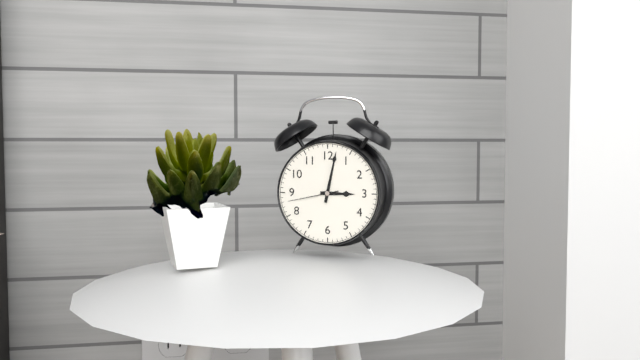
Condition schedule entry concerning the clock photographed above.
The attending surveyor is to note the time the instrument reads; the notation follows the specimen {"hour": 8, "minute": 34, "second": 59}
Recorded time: {"hour": 3, "minute": 2, "second": 43}
